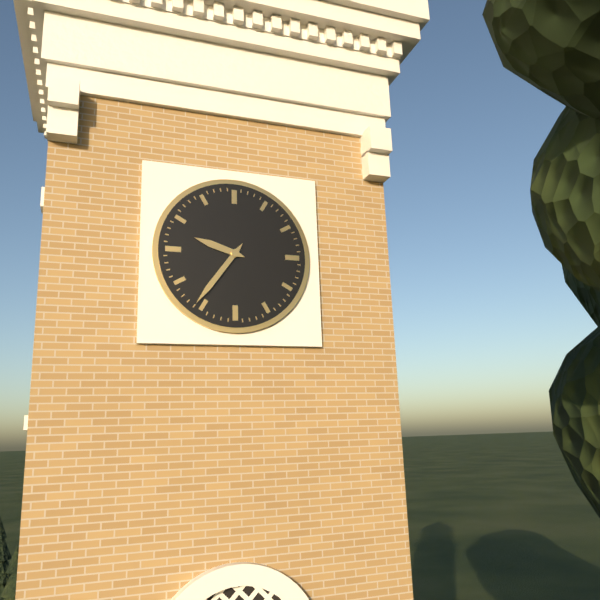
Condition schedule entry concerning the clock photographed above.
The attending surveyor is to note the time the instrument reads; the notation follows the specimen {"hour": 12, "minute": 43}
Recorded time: {"hour": 9, "minute": 36}
